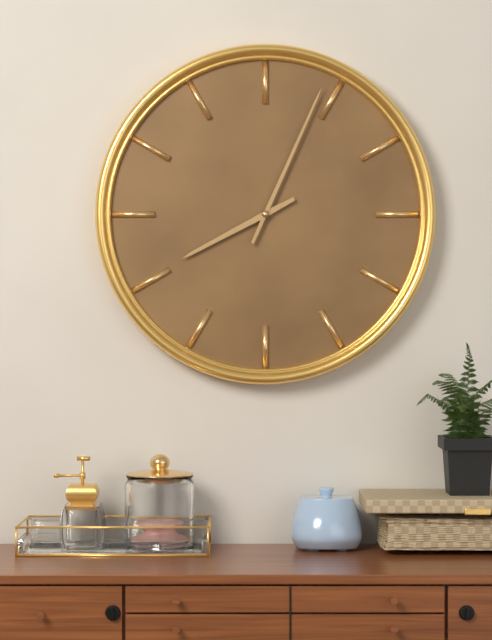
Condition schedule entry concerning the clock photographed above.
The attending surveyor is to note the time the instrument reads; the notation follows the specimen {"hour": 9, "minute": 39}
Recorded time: {"hour": 8, "minute": 4}
